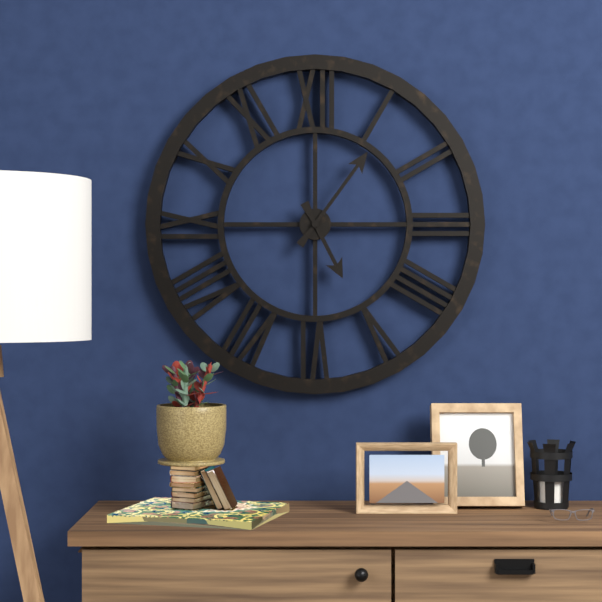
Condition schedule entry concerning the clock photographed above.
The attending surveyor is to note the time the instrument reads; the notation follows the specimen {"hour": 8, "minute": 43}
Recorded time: {"hour": 5, "minute": 6}
